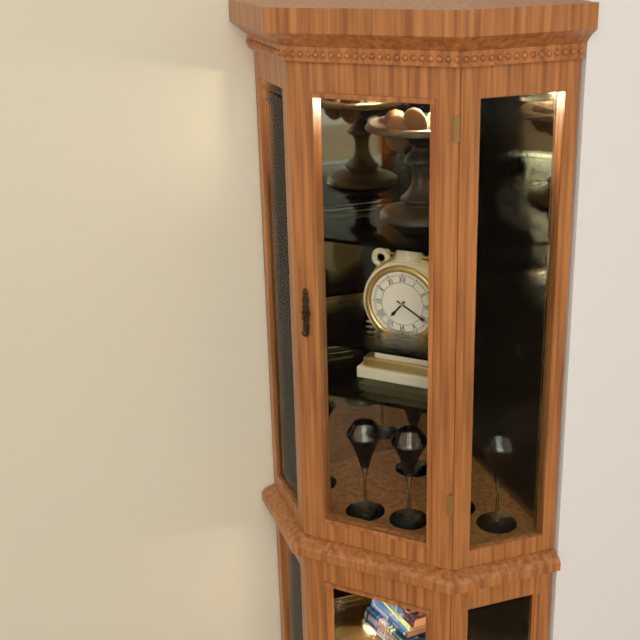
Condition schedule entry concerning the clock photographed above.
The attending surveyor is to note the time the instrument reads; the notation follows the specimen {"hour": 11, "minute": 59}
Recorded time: {"hour": 7, "minute": 20}
